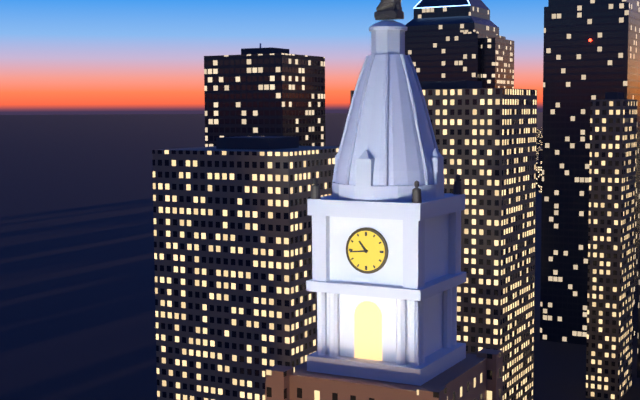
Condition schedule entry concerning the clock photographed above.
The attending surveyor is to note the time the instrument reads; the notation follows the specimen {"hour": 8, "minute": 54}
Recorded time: {"hour": 10, "minute": 44}
